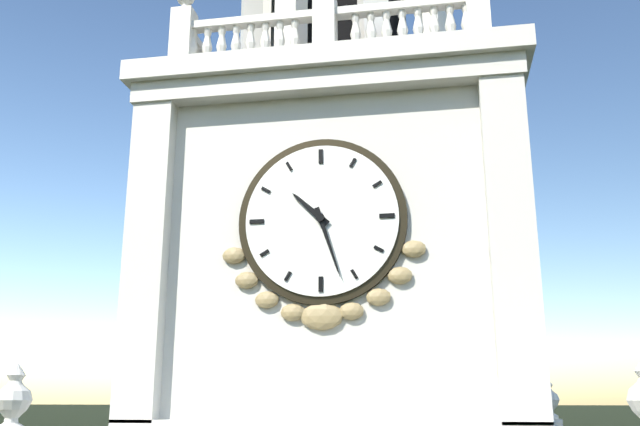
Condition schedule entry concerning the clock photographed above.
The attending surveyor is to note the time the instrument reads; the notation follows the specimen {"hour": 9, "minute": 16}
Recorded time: {"hour": 10, "minute": 27}
